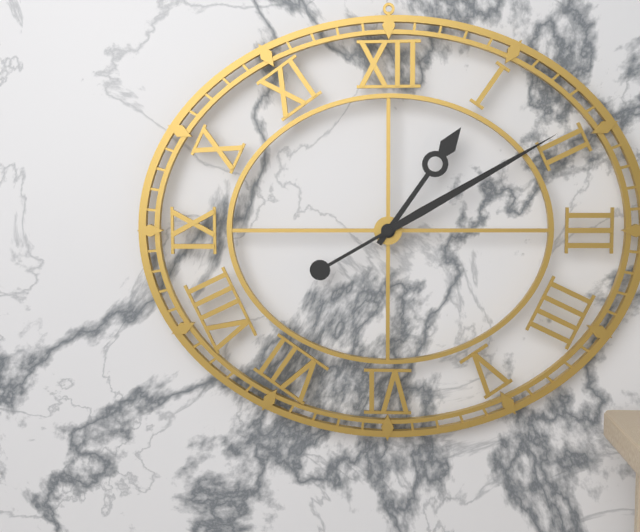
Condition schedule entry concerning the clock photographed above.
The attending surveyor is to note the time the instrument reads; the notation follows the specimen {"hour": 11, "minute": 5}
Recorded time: {"hour": 1, "minute": 10}
